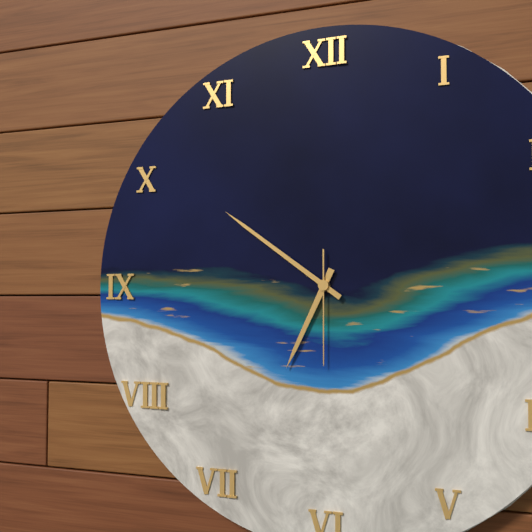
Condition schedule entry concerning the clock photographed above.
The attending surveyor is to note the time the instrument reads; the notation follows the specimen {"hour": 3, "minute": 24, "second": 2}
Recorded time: {"hour": 6, "minute": 51, "second": 30}
